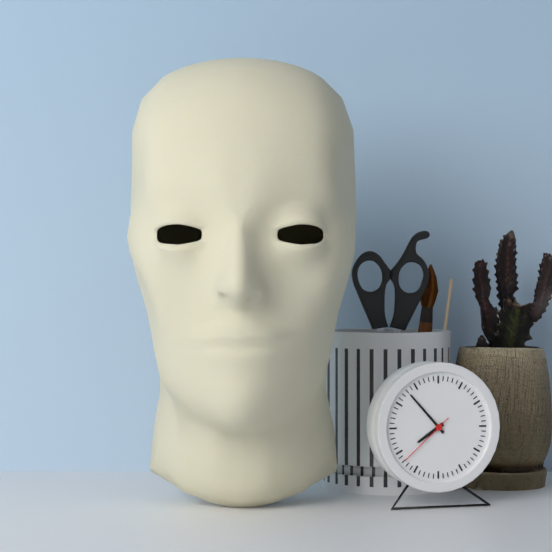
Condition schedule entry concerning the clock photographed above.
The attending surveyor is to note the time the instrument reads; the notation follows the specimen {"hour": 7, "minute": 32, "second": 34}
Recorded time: {"hour": 7, "minute": 53, "second": 38}
